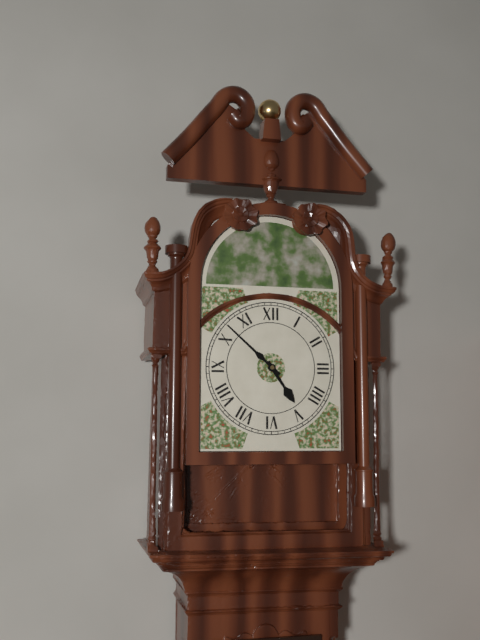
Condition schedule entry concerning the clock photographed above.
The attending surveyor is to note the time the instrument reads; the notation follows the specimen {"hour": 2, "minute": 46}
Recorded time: {"hour": 4, "minute": 52}
